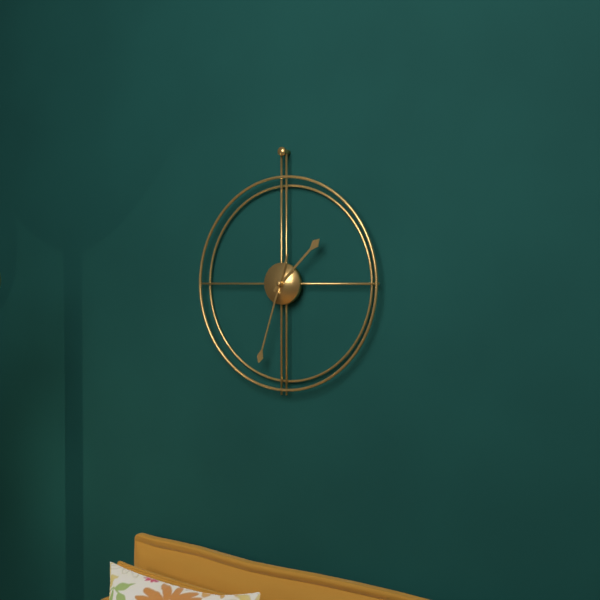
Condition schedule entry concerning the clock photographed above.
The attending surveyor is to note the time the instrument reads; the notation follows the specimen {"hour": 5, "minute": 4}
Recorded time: {"hour": 1, "minute": 33}
